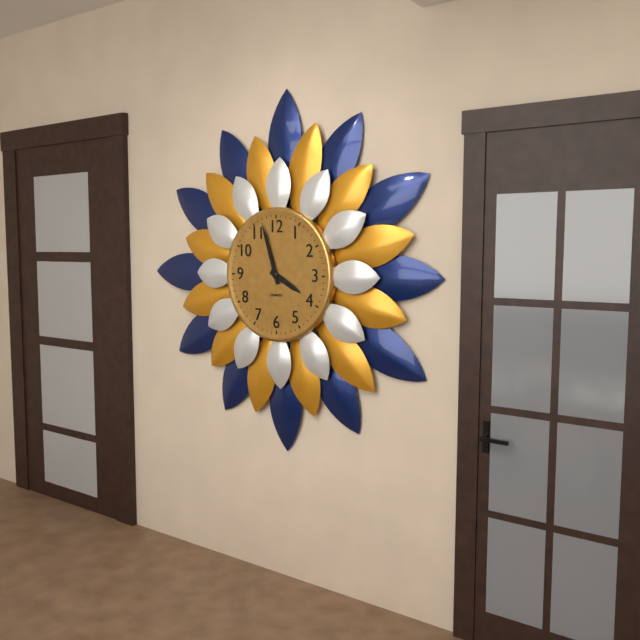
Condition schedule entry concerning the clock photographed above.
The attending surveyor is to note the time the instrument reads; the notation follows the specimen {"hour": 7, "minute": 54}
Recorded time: {"hour": 3, "minute": 57}
